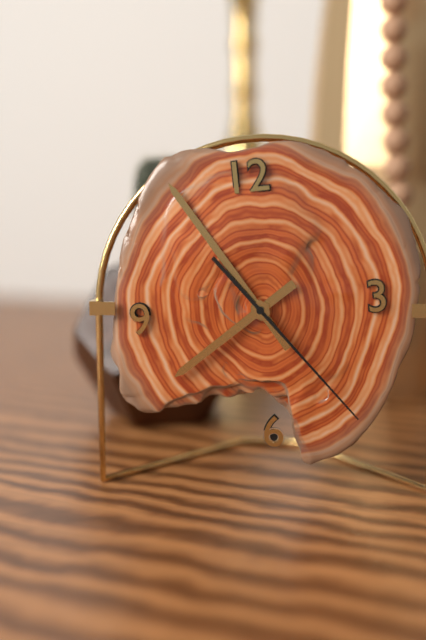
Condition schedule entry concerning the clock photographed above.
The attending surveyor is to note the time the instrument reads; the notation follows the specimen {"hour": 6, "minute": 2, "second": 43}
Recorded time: {"hour": 7, "minute": 55, "second": 24}
